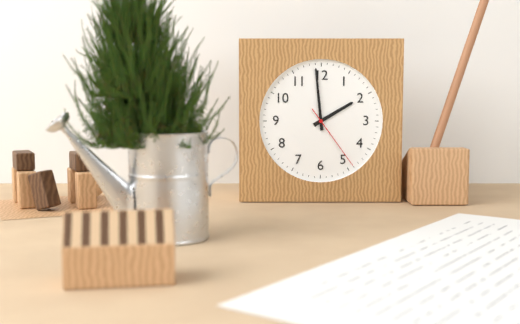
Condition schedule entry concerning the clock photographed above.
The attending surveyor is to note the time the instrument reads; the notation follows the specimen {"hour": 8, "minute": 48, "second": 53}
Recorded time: {"hour": 1, "minute": 59, "second": 24}
